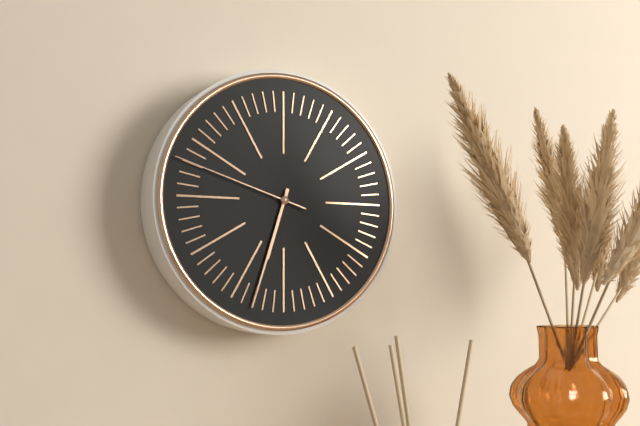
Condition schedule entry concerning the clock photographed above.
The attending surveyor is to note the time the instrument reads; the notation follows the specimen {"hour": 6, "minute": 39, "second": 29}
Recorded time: {"hour": 6, "minute": 33, "second": 48}
